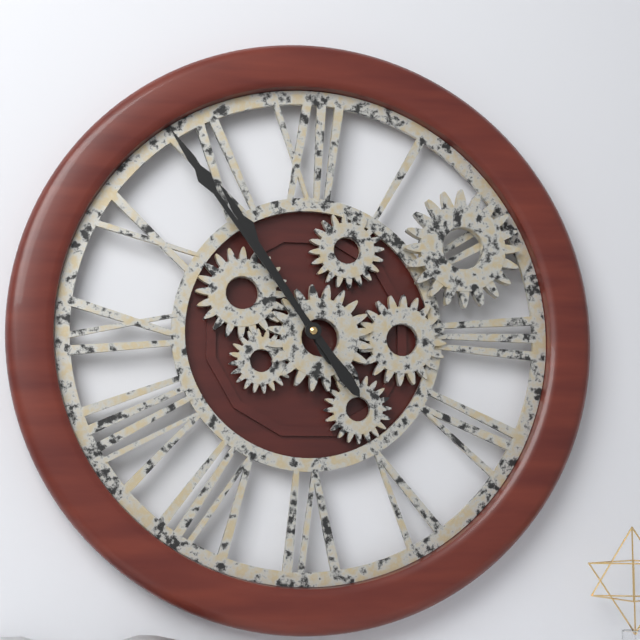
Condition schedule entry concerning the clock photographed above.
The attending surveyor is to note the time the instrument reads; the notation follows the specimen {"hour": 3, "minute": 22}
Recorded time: {"hour": 10, "minute": 54}
